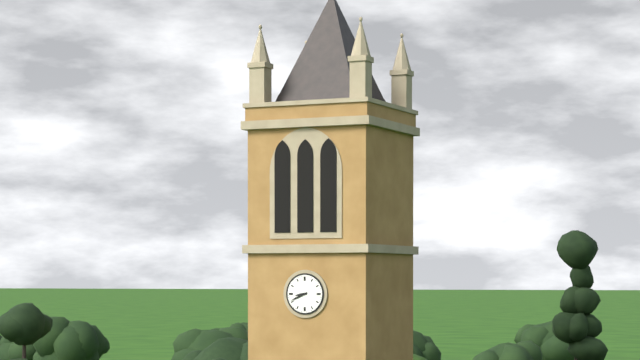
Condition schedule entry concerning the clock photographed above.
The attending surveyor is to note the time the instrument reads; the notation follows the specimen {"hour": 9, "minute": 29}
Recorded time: {"hour": 8, "minute": 41}
